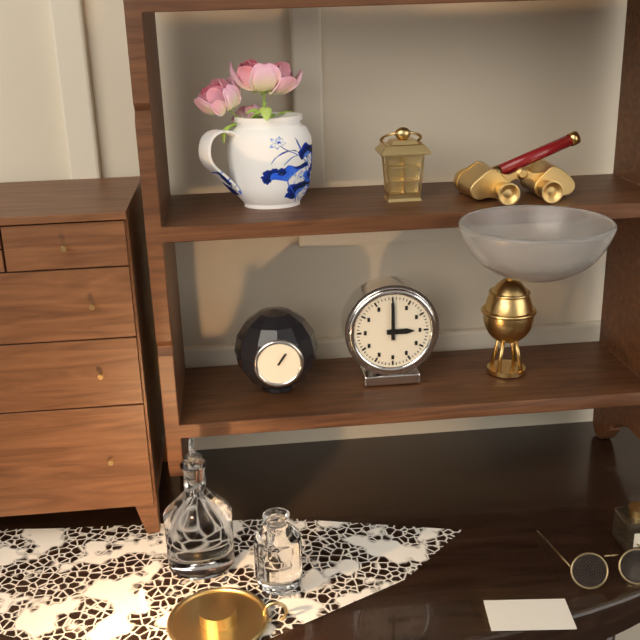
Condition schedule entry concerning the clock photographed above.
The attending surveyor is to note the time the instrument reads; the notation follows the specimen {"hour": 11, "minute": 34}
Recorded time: {"hour": 3, "minute": 0}
